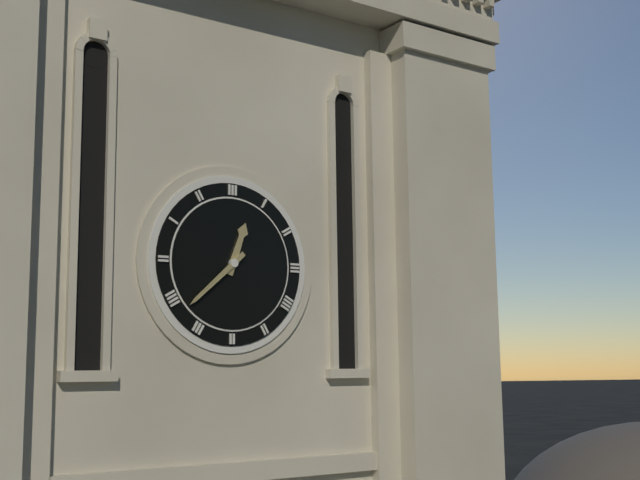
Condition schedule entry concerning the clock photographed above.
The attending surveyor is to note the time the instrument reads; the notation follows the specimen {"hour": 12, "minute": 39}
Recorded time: {"hour": 12, "minute": 38}
